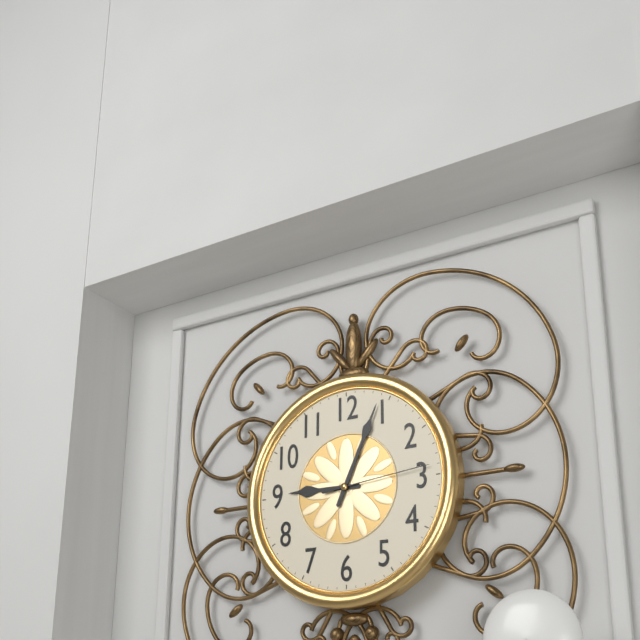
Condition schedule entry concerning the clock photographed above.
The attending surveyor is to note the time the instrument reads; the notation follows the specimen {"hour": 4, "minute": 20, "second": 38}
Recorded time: {"hour": 9, "minute": 4, "second": 14}
